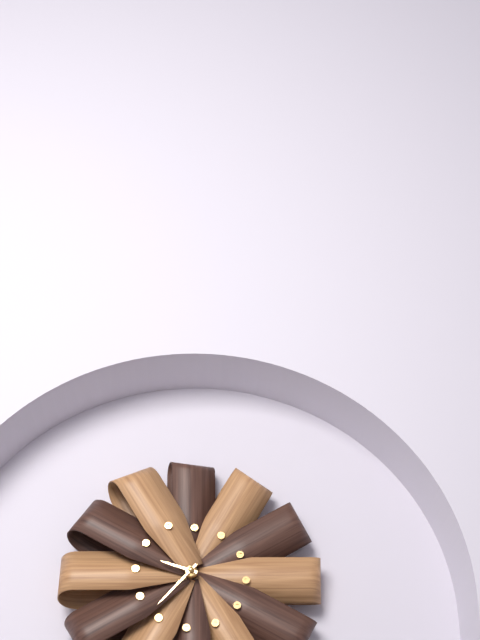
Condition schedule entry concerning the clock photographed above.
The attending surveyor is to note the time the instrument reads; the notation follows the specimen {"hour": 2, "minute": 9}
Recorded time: {"hour": 9, "minute": 37}
